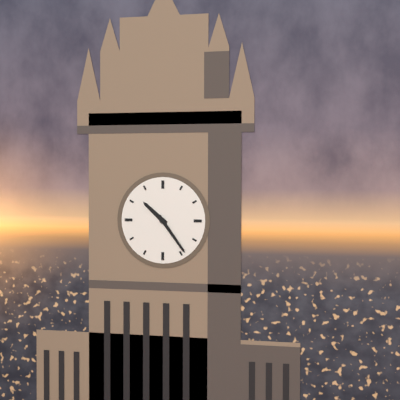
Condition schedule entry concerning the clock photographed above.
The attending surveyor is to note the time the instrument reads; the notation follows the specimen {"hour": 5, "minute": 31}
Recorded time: {"hour": 10, "minute": 24}
